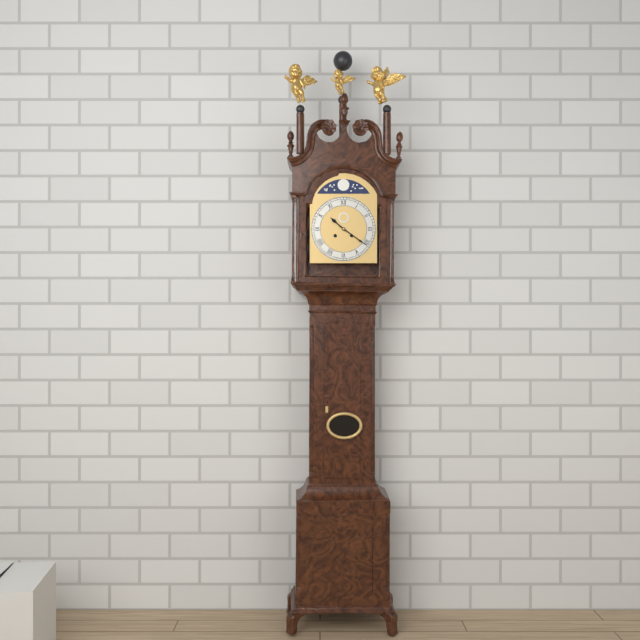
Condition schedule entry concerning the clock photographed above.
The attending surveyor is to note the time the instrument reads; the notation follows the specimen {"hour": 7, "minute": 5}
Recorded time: {"hour": 10, "minute": 21}
